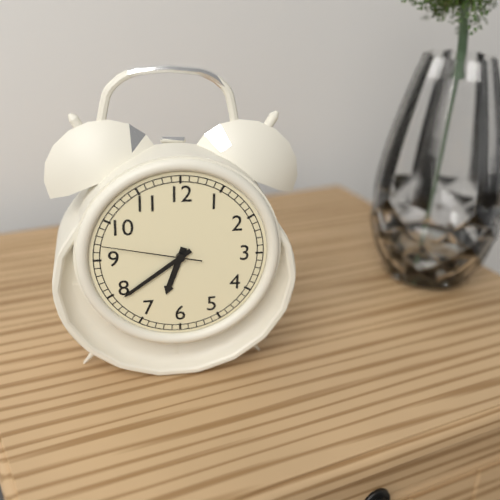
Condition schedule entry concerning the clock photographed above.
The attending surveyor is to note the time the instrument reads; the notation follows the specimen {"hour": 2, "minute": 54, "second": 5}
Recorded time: {"hour": 6, "minute": 39, "second": 47}
